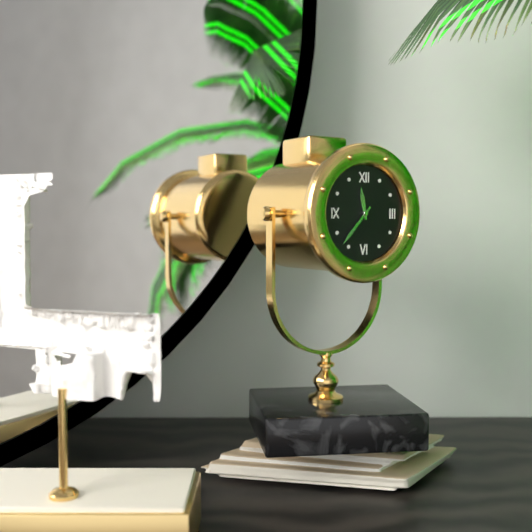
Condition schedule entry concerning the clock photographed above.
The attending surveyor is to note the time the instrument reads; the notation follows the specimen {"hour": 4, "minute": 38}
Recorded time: {"hour": 11, "minute": 37}
